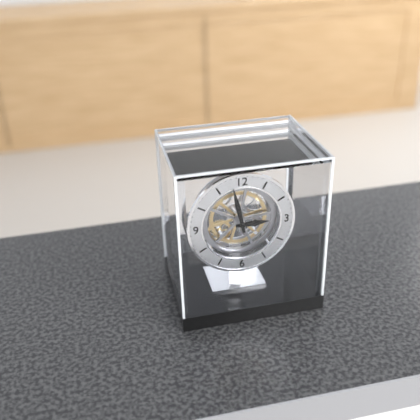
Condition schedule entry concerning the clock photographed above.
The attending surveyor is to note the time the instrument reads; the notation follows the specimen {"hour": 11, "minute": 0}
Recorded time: {"hour": 2, "minute": 58}
